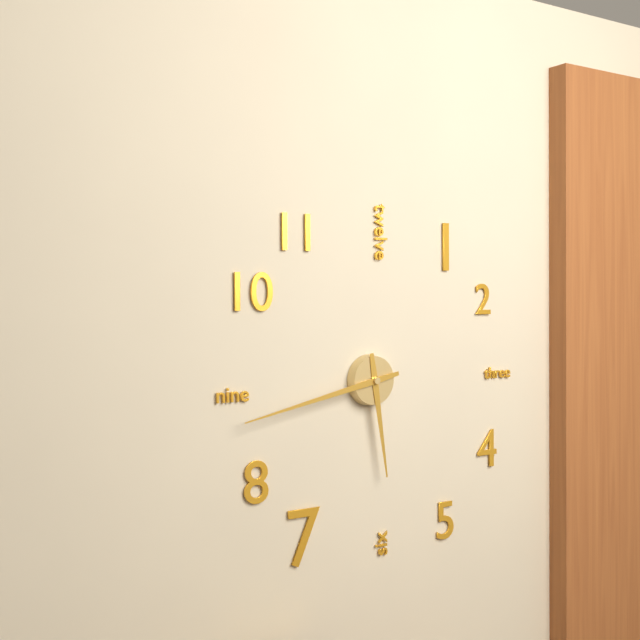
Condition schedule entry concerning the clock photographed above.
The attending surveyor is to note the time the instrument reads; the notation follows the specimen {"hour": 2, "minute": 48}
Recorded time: {"hour": 5, "minute": 43}
